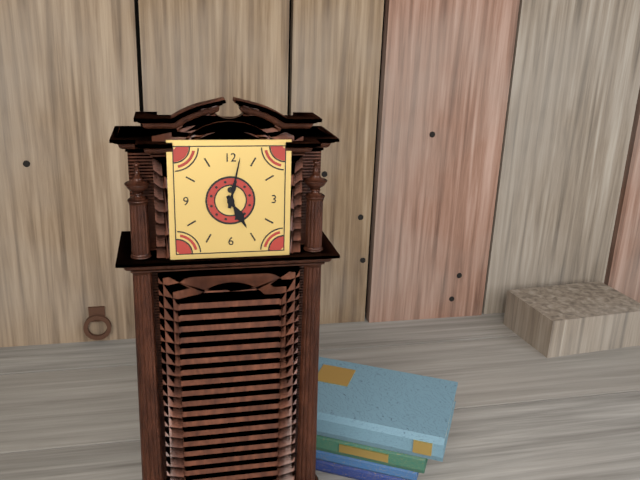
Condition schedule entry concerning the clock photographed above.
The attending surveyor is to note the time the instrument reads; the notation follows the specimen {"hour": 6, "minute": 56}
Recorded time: {"hour": 5, "minute": 2}
